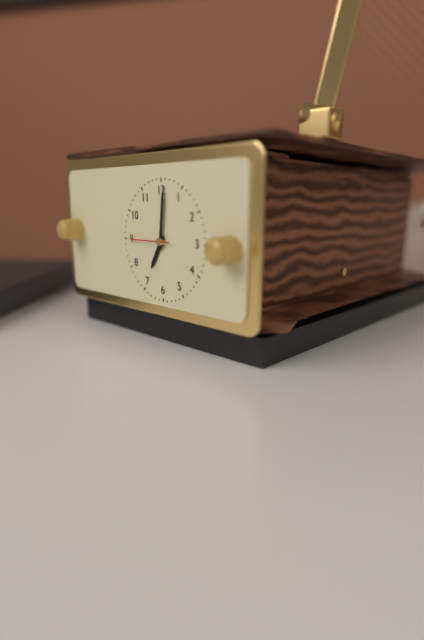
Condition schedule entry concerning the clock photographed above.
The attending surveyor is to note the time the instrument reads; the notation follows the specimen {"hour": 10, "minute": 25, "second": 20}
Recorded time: {"hour": 7, "minute": 1, "second": 45}
